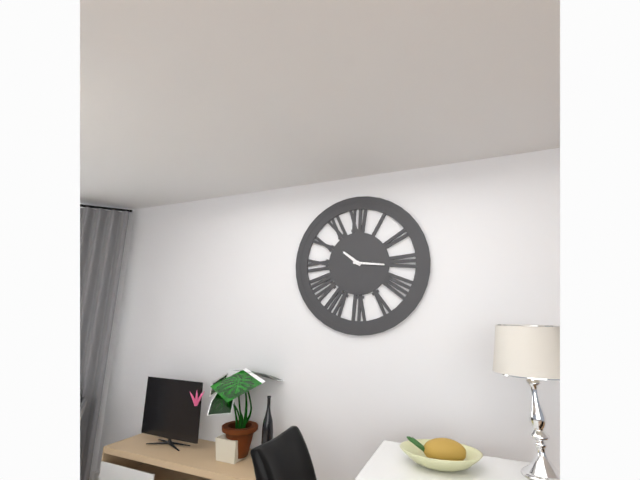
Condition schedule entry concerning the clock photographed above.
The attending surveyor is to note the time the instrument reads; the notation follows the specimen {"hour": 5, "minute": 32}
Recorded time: {"hour": 10, "minute": 16}
